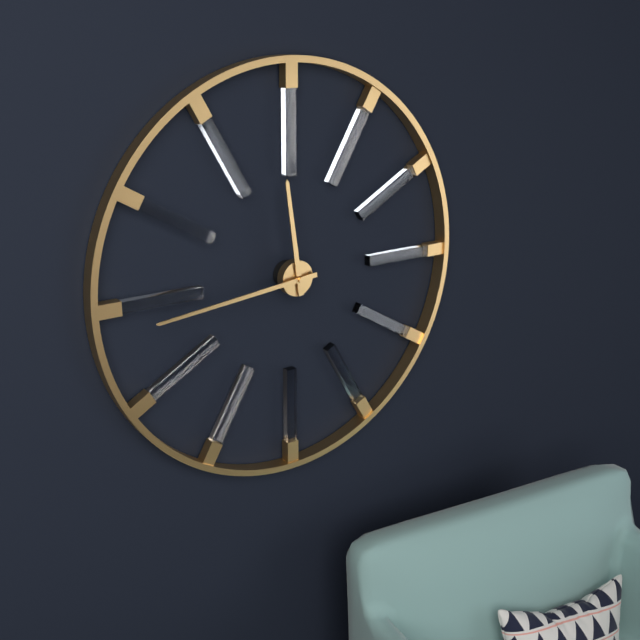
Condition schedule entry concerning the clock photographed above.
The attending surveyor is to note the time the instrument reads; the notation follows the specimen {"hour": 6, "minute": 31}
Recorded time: {"hour": 11, "minute": 44}
